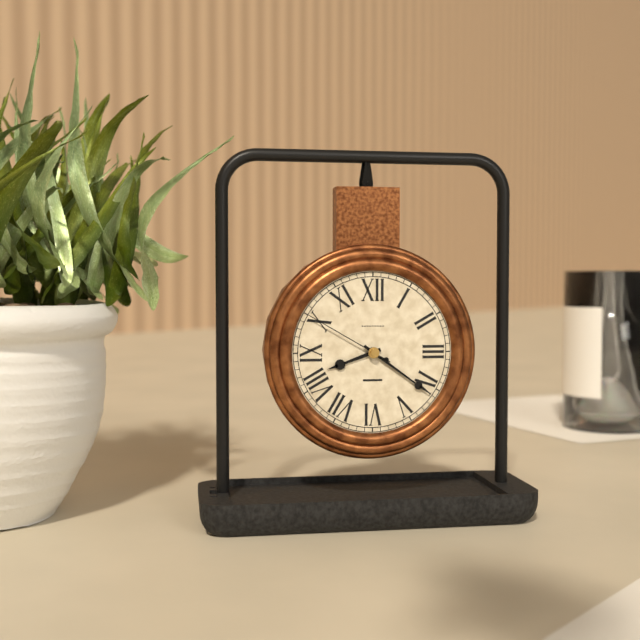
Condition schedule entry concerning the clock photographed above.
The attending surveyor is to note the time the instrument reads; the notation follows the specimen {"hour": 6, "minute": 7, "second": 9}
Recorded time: {"hour": 8, "minute": 21, "second": 50}
